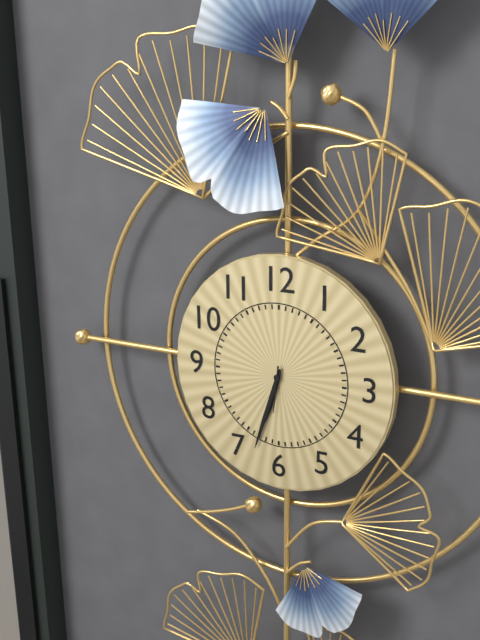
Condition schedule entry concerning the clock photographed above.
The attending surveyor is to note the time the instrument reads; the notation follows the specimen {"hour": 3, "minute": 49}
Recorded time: {"hour": 6, "minute": 33}
